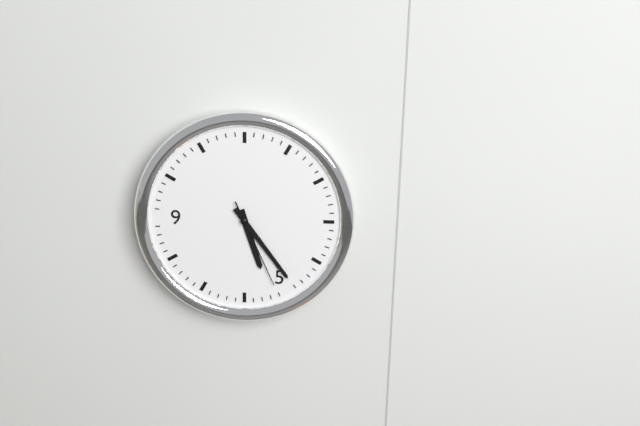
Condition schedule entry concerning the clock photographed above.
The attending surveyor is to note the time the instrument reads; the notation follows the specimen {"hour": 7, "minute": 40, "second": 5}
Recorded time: {"hour": 5, "minute": 24, "second": 26}
